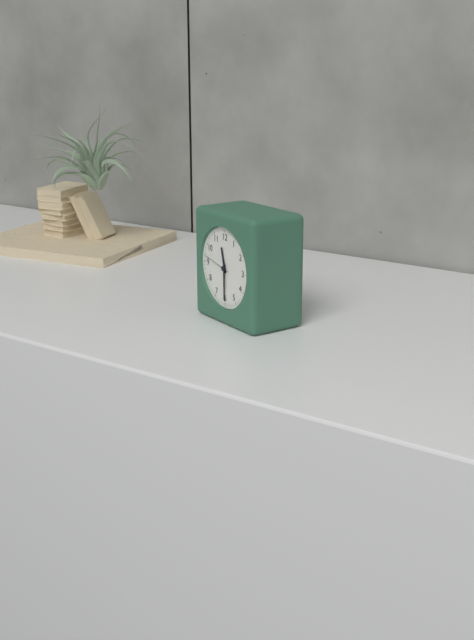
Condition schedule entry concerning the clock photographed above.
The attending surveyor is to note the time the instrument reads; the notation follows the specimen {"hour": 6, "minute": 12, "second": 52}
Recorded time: {"hour": 11, "minute": 30, "second": 47}
